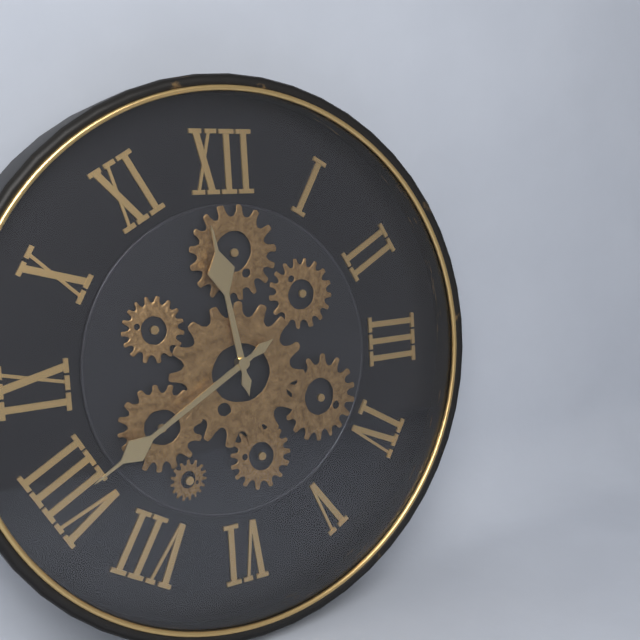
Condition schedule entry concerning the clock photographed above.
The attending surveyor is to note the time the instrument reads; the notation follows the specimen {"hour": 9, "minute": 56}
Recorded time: {"hour": 11, "minute": 40}
